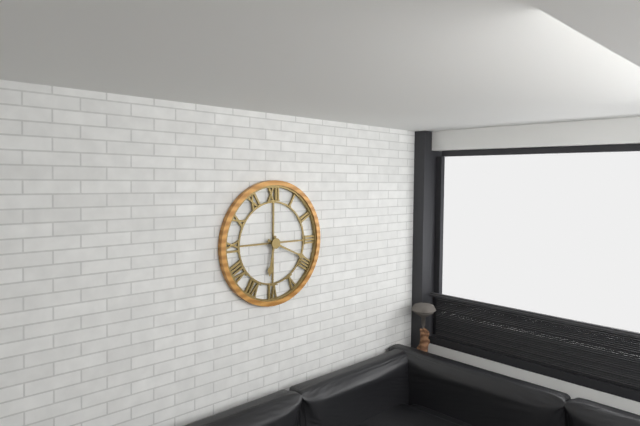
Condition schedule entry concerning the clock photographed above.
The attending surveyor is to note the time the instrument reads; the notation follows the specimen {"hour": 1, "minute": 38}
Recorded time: {"hour": 6, "minute": 19}
